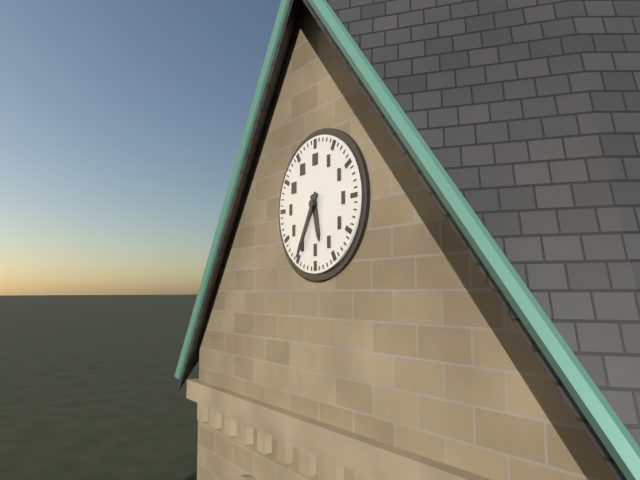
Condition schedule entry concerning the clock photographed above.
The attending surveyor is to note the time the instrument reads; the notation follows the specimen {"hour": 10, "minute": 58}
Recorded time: {"hour": 5, "minute": 35}
